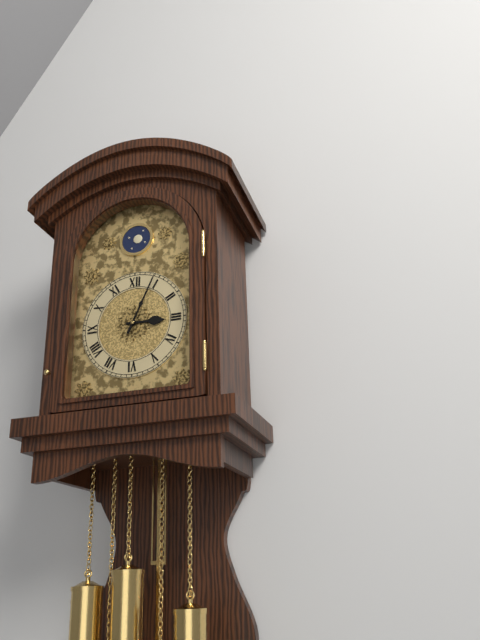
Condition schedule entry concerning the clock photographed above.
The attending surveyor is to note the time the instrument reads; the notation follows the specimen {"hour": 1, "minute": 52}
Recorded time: {"hour": 3, "minute": 4}
